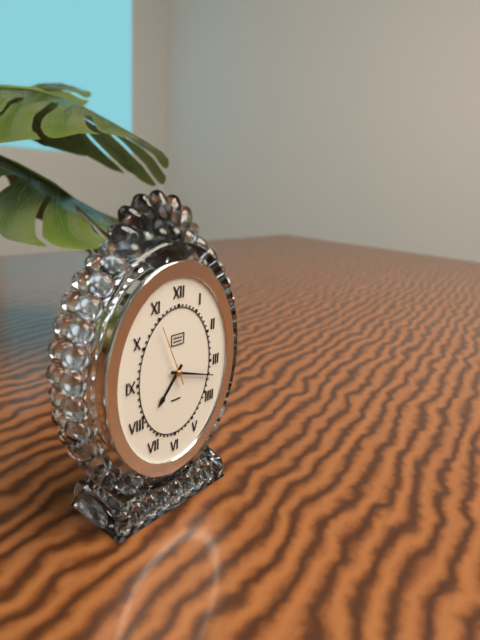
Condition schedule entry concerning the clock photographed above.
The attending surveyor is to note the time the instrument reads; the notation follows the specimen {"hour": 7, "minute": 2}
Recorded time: {"hour": 7, "minute": 18}
